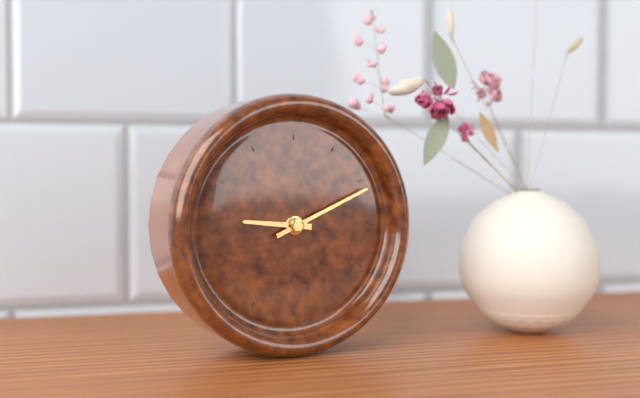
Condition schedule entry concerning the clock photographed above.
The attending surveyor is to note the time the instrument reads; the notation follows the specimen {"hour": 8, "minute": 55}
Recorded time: {"hour": 9, "minute": 11}
